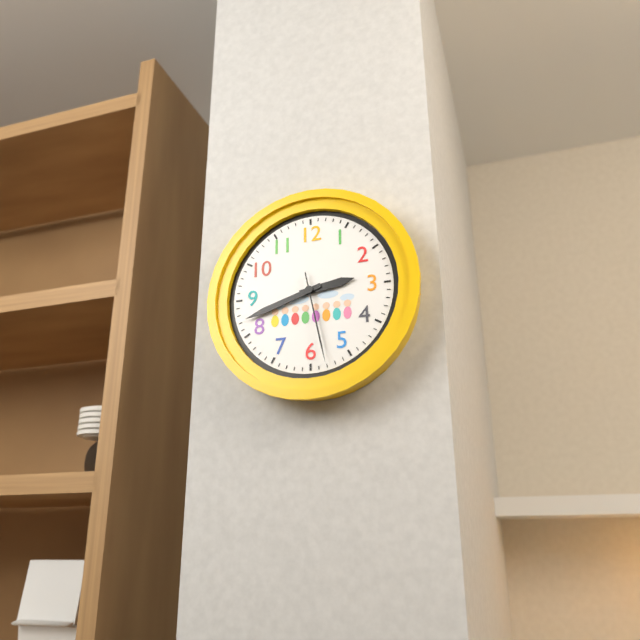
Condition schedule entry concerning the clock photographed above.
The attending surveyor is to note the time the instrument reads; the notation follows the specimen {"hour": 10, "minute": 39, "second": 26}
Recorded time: {"hour": 2, "minute": 42, "second": 28}
